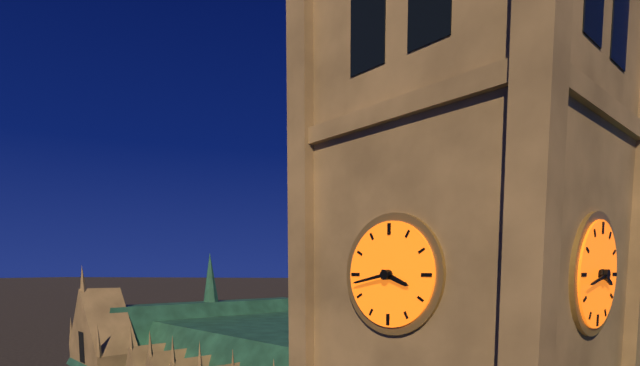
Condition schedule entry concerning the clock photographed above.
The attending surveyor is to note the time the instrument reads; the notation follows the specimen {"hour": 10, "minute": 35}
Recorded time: {"hour": 3, "minute": 43}
